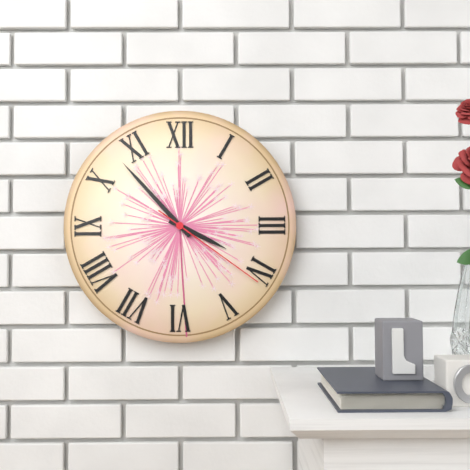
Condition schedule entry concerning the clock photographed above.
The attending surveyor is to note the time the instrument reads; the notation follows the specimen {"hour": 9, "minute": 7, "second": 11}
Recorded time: {"hour": 3, "minute": 53, "second": 21}
